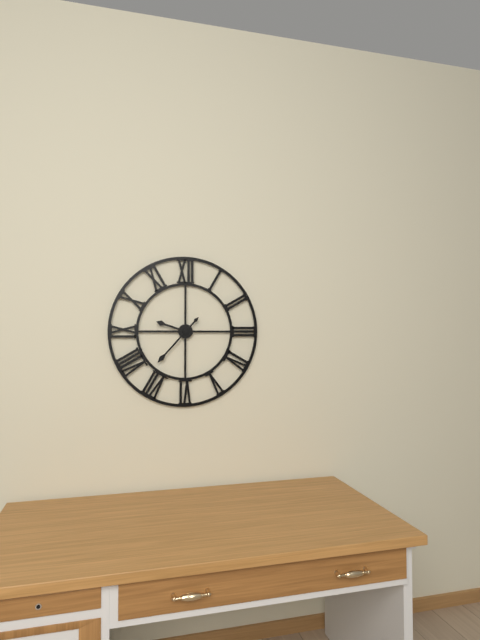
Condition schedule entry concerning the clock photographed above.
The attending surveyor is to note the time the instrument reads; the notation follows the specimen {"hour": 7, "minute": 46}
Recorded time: {"hour": 9, "minute": 37}
